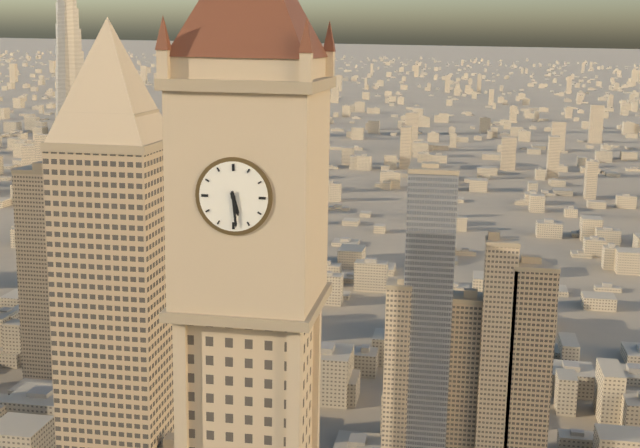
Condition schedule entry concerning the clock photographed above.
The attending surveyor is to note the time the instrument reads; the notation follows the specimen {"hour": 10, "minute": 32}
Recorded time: {"hour": 5, "minute": 29}
